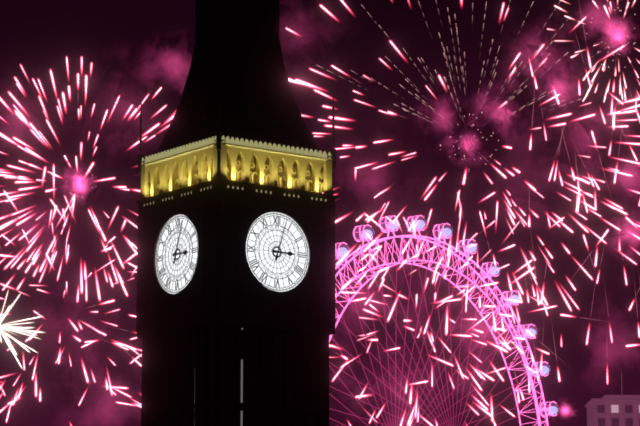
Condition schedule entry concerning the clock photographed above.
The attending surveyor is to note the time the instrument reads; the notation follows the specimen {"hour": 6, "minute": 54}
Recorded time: {"hour": 3, "minute": 3}
